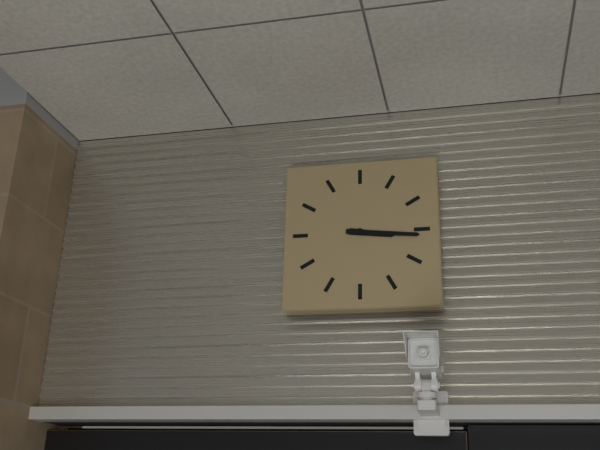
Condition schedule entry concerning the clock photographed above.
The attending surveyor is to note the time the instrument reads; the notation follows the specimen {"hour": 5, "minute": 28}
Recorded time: {"hour": 3, "minute": 16}
